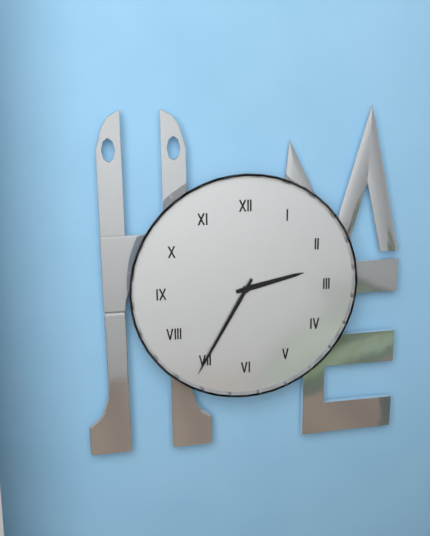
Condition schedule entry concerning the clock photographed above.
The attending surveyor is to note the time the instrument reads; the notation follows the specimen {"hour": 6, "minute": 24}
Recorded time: {"hour": 2, "minute": 35}
